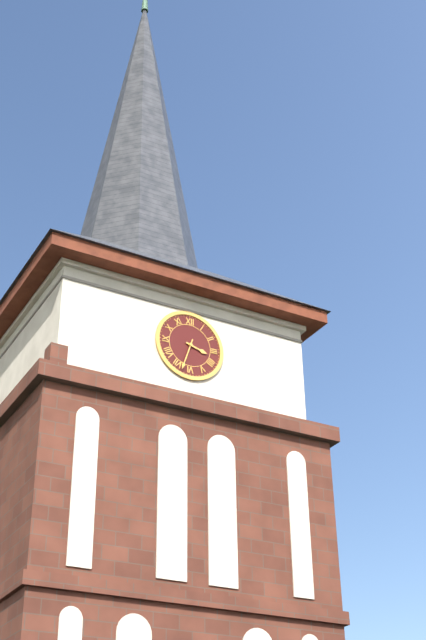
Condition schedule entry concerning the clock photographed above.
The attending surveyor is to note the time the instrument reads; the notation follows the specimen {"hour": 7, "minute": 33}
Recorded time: {"hour": 3, "minute": 33}
